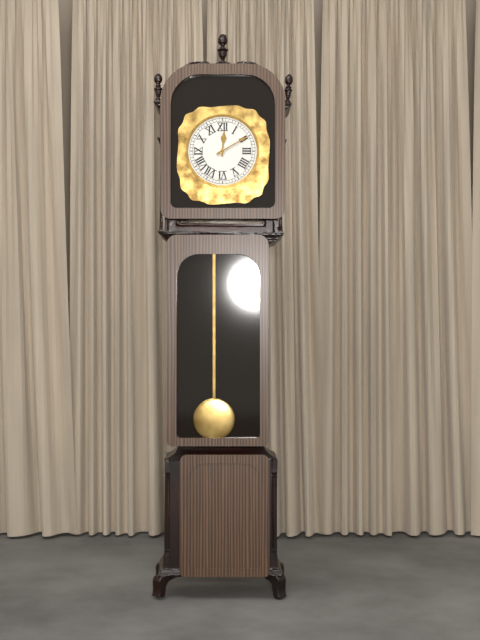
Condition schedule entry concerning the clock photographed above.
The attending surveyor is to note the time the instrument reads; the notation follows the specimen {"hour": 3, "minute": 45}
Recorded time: {"hour": 12, "minute": 10}
